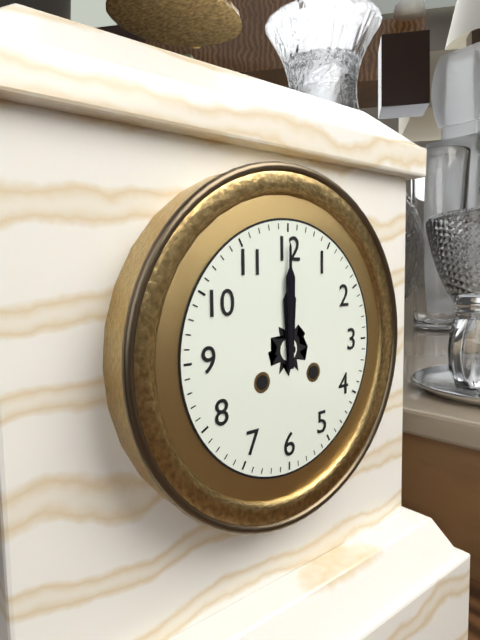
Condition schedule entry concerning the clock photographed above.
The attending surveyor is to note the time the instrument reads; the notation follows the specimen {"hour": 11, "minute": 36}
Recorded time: {"hour": 12, "minute": 0}
